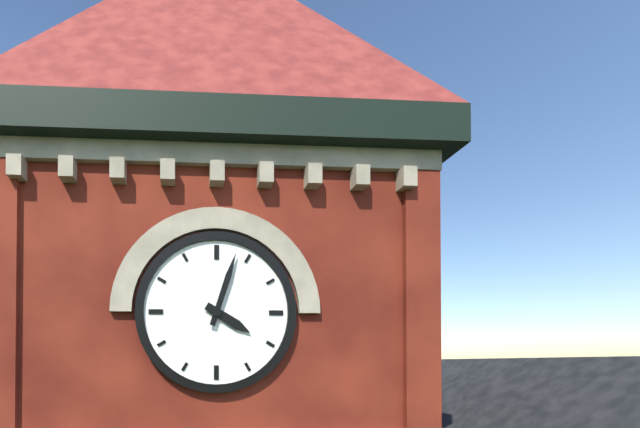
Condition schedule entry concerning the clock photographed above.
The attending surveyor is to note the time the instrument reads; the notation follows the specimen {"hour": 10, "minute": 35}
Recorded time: {"hour": 4, "minute": 3}
